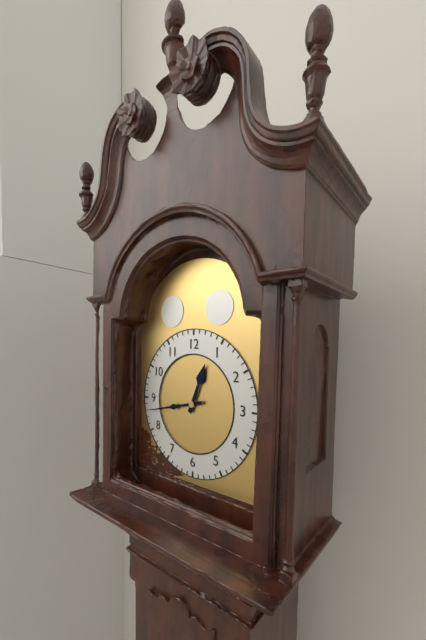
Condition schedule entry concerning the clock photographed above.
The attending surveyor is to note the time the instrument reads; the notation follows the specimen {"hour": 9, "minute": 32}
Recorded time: {"hour": 12, "minute": 43}
